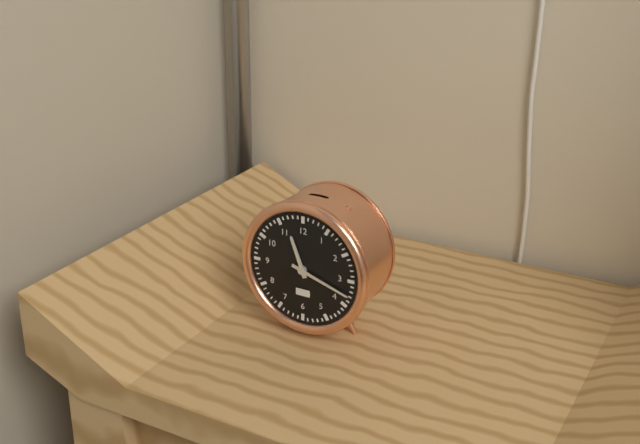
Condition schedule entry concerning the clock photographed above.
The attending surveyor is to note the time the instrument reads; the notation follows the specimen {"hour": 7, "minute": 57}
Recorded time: {"hour": 11, "minute": 18}
